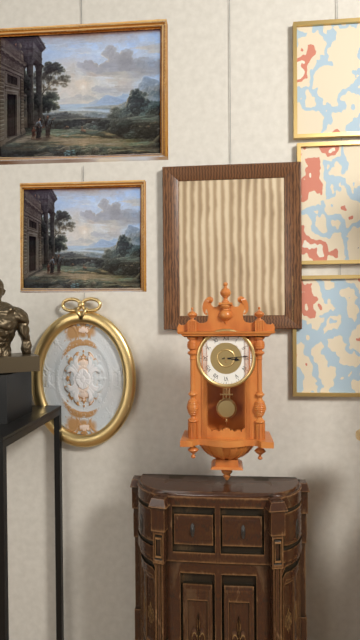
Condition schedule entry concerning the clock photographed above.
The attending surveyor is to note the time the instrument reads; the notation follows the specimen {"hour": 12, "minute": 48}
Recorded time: {"hour": 3, "minute": 14}
